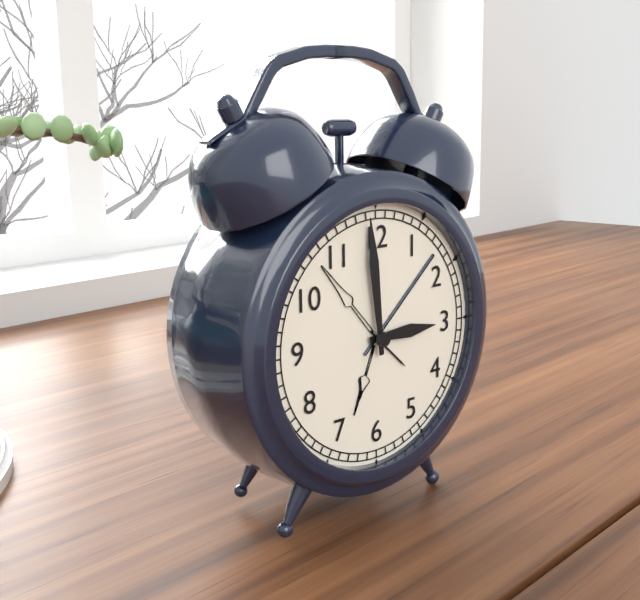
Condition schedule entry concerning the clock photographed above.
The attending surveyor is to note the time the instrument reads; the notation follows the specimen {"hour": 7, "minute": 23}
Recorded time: {"hour": 2, "minute": 59}
